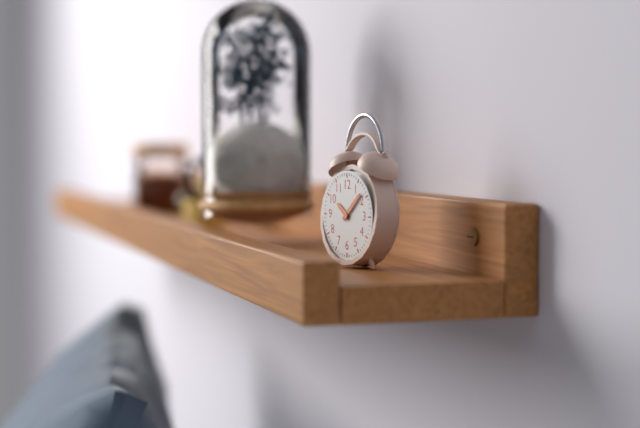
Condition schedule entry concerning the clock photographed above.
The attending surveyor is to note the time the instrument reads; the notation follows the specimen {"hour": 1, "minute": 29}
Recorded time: {"hour": 10, "minute": 8}
